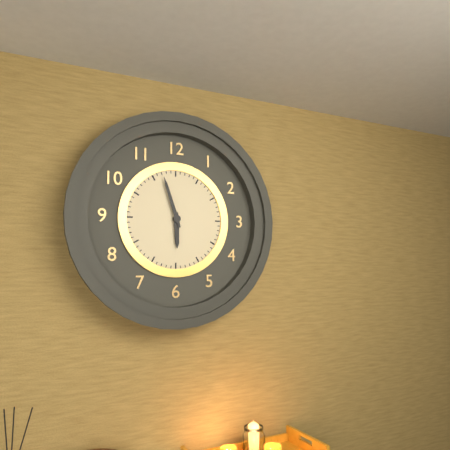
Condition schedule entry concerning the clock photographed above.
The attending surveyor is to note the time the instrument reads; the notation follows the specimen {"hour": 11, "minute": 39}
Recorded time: {"hour": 5, "minute": 57}
